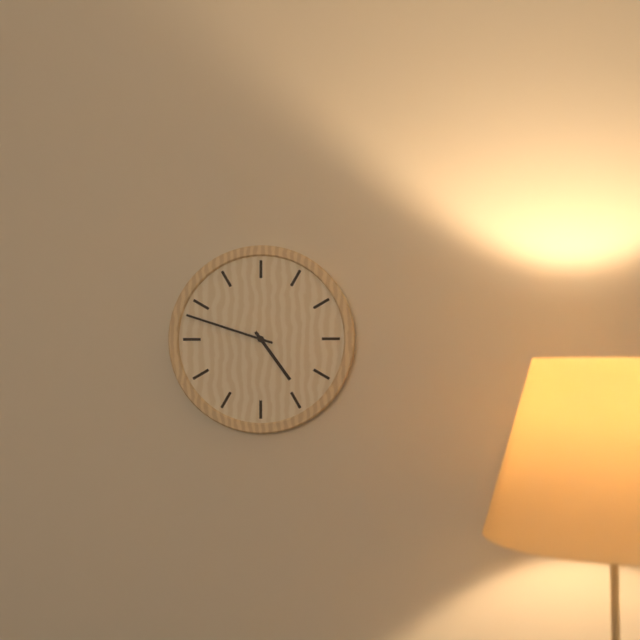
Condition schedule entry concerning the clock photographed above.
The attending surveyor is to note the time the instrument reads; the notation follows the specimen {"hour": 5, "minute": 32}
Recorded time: {"hour": 4, "minute": 48}
